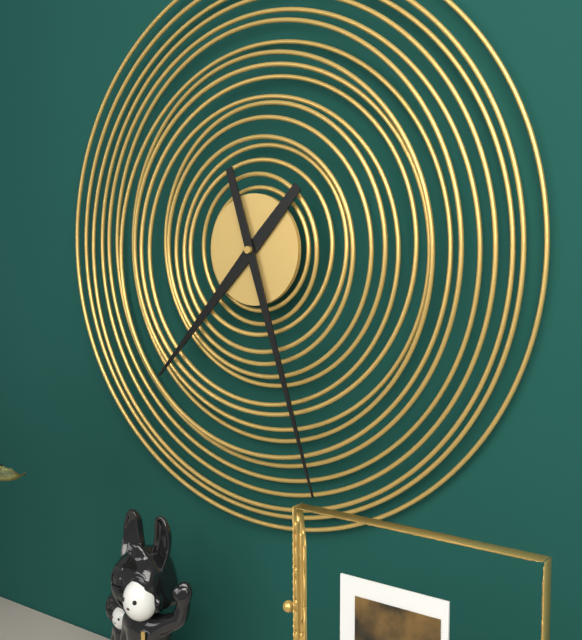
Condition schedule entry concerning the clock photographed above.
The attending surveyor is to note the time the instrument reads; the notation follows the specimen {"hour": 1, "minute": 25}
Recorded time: {"hour": 7, "minute": 27}
